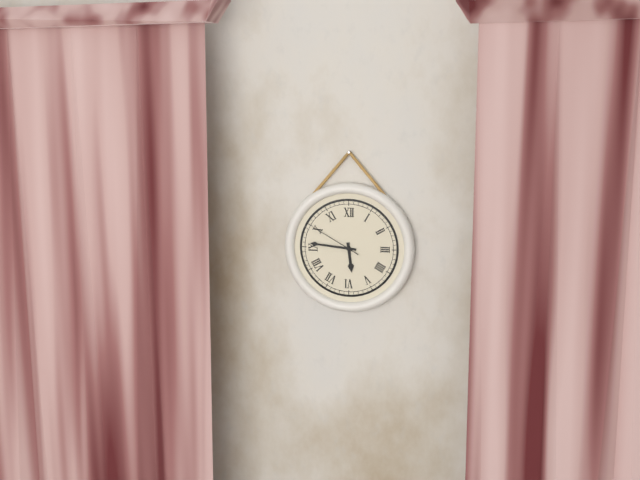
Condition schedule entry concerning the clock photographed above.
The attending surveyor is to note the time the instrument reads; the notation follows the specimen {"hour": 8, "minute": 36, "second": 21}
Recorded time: {"hour": 5, "minute": 46, "second": 50}
